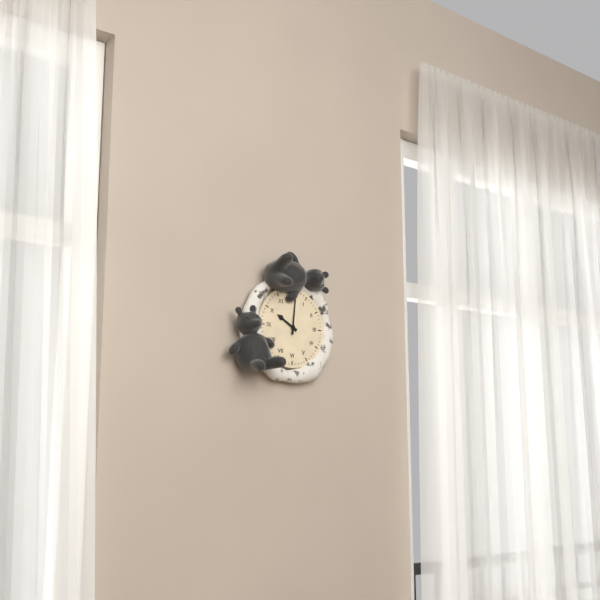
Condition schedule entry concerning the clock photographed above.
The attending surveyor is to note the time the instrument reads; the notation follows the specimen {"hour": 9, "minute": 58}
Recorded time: {"hour": 10, "minute": 1}
